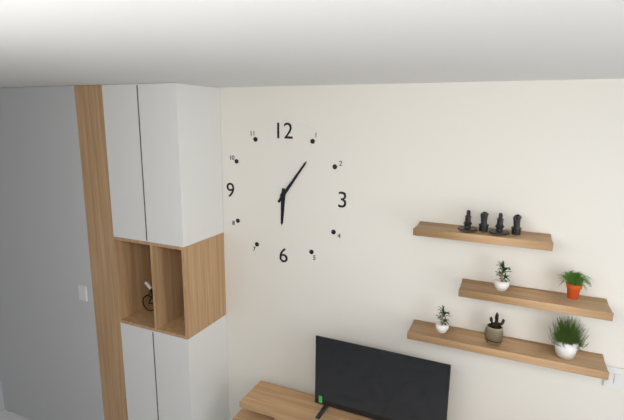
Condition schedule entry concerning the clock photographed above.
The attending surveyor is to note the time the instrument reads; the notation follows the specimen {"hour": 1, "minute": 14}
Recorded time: {"hour": 6, "minute": 6}
